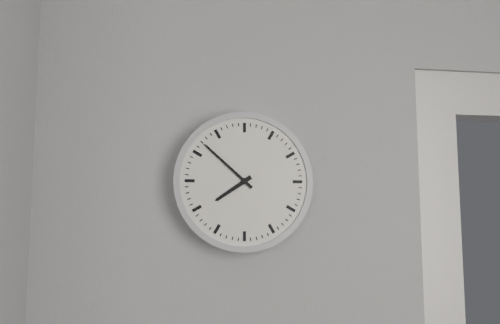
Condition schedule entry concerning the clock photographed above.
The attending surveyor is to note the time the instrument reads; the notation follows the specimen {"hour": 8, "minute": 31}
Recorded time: {"hour": 7, "minute": 52}
